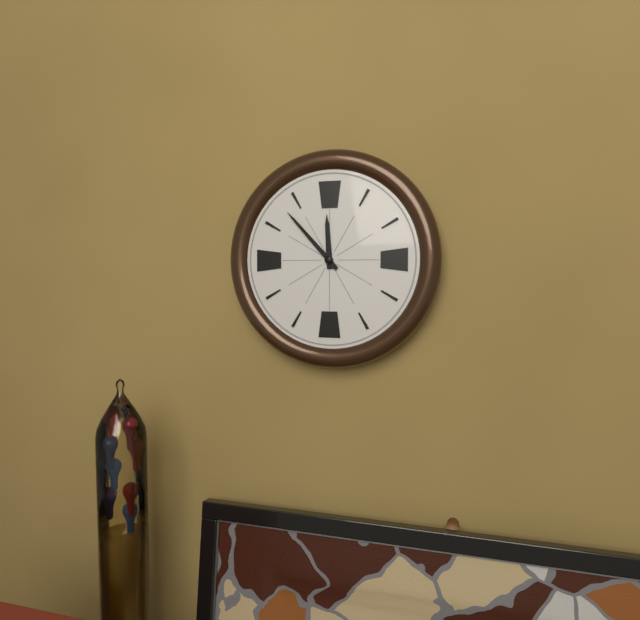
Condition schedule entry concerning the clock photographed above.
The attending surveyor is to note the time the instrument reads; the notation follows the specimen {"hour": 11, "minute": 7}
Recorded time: {"hour": 11, "minute": 53}
